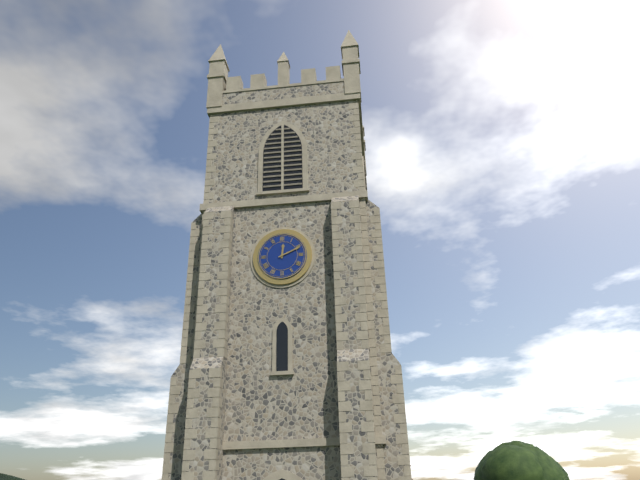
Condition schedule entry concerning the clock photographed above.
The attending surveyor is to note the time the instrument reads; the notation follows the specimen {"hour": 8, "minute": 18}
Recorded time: {"hour": 12, "minute": 11}
